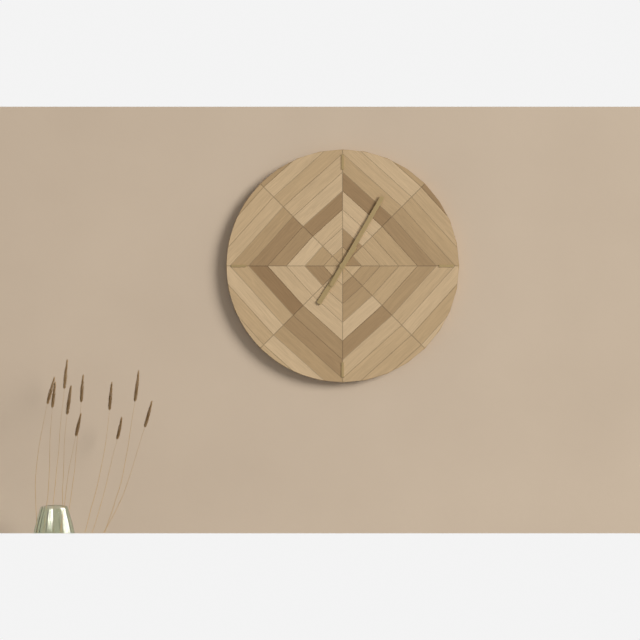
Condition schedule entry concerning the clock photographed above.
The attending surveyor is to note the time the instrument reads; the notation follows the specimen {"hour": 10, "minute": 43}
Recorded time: {"hour": 7, "minute": 5}
